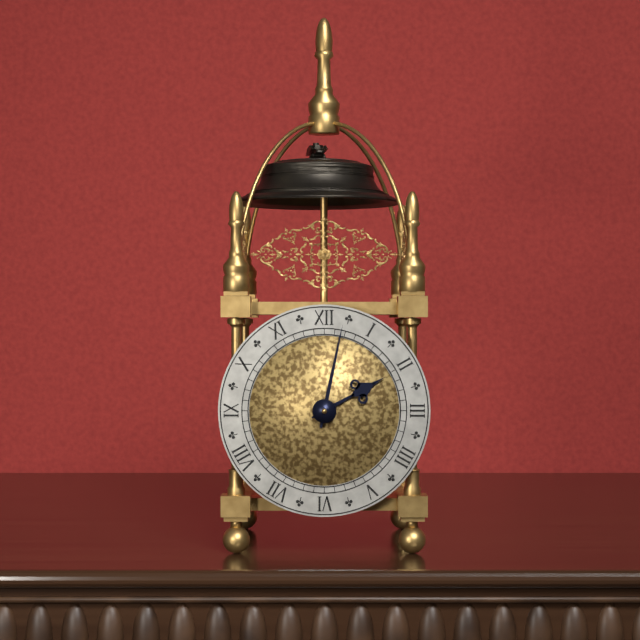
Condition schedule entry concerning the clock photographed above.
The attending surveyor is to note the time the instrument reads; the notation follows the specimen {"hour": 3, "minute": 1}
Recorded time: {"hour": 2, "minute": 2}
